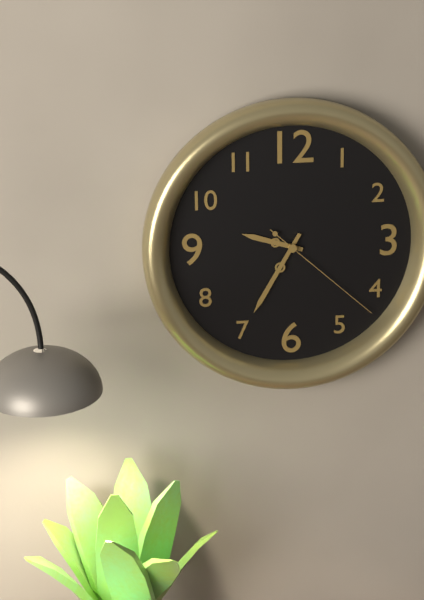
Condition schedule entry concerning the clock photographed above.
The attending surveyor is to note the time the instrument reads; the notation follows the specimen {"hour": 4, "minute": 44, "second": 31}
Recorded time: {"hour": 9, "minute": 35, "second": 22}
